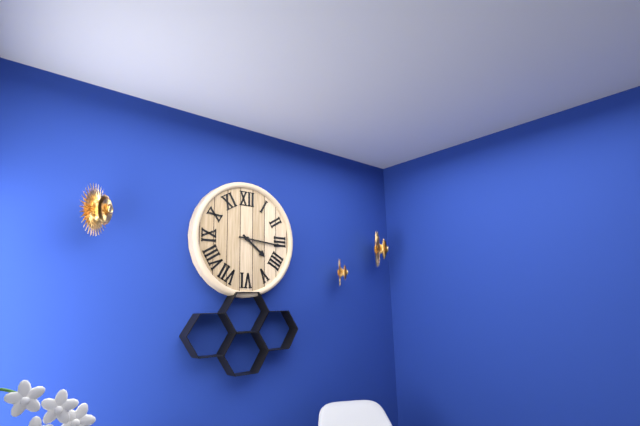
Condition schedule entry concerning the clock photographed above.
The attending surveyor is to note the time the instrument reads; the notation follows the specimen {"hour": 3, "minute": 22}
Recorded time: {"hour": 4, "minute": 16}
